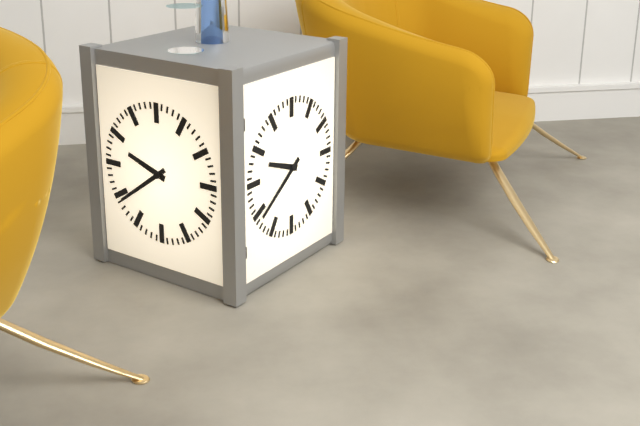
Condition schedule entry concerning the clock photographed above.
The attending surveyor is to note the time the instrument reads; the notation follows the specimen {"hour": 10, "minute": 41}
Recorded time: {"hour": 9, "minute": 39}
